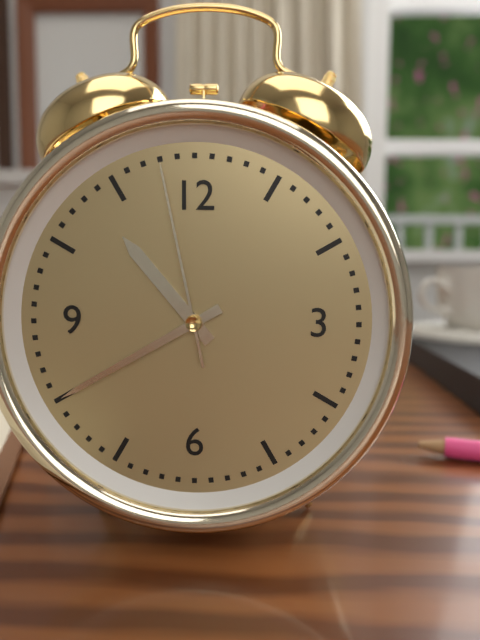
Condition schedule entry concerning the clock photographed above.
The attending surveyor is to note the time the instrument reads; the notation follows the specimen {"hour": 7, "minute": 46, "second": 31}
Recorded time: {"hour": 10, "minute": 40, "second": 58}
